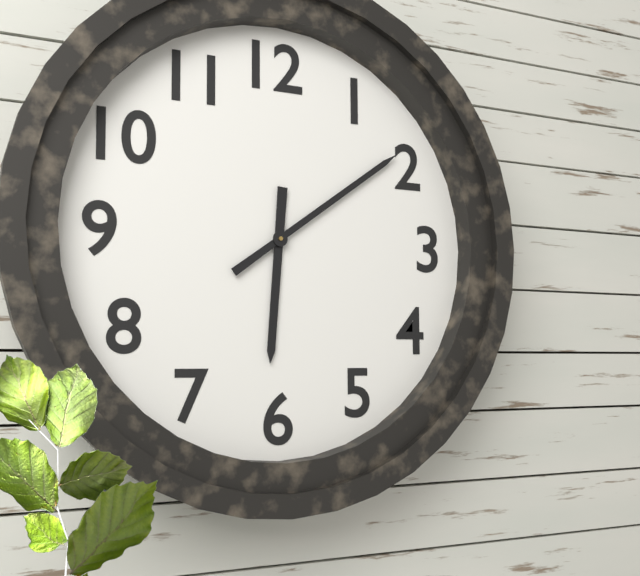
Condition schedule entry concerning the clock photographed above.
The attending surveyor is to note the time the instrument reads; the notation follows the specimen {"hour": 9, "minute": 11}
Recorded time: {"hour": 6, "minute": 9}
